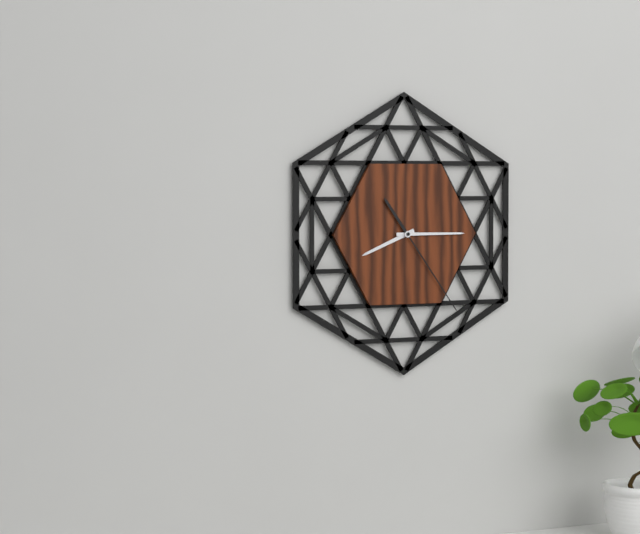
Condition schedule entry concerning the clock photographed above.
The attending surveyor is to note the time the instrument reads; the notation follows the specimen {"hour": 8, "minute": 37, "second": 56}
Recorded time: {"hour": 8, "minute": 15, "second": 24}
